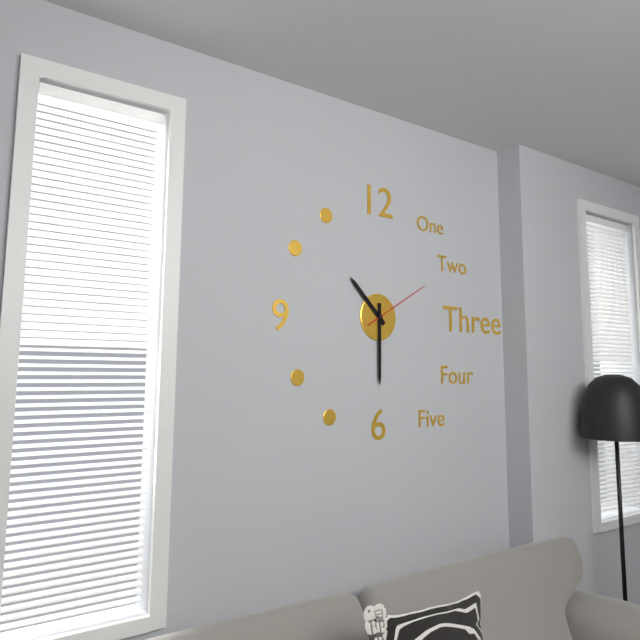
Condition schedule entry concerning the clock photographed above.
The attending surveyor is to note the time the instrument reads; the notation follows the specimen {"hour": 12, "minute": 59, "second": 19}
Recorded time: {"hour": 10, "minute": 30, "second": 10}
